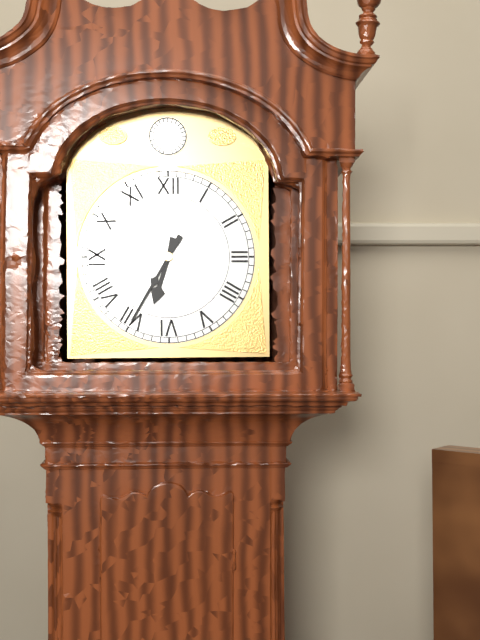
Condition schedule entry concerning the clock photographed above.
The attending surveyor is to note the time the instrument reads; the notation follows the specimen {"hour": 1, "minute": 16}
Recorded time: {"hour": 6, "minute": 35}
